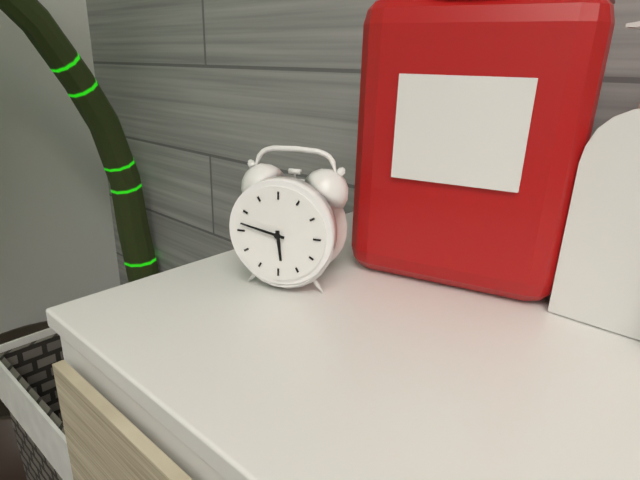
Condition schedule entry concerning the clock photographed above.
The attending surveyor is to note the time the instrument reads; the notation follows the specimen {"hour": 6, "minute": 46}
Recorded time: {"hour": 5, "minute": 47}
